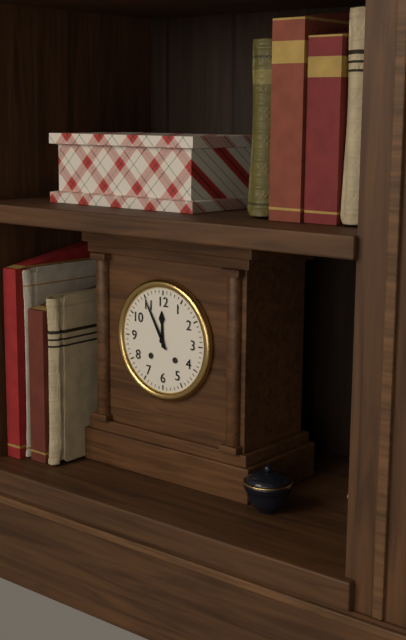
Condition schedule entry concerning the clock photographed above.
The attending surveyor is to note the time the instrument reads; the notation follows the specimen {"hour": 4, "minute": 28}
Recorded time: {"hour": 11, "minute": 55}
